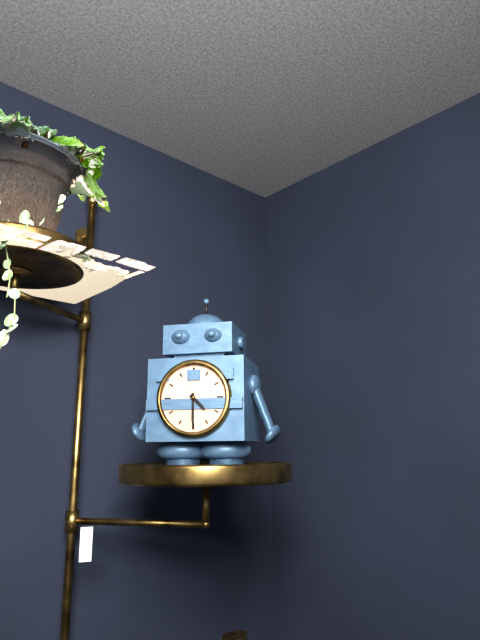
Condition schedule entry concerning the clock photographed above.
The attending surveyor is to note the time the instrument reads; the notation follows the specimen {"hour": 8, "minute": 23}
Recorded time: {"hour": 4, "minute": 30}
